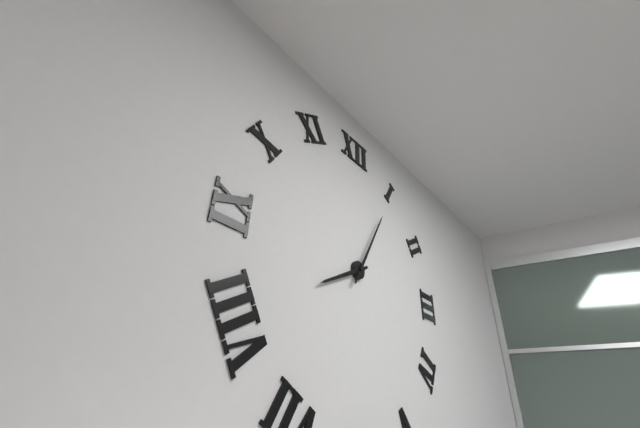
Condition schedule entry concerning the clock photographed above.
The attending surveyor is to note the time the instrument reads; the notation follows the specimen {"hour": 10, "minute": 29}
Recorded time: {"hour": 8, "minute": 5}
